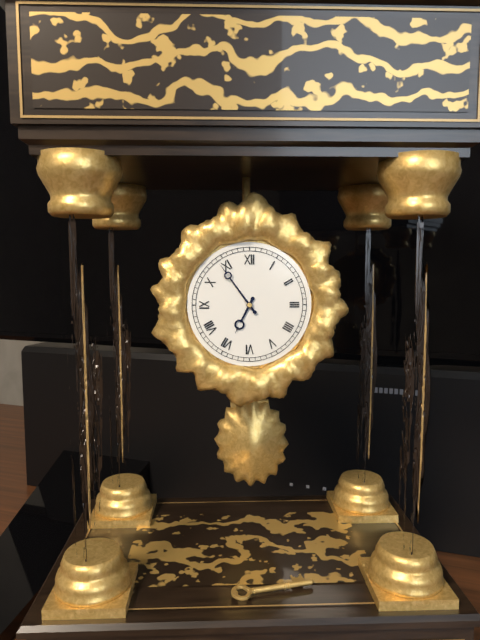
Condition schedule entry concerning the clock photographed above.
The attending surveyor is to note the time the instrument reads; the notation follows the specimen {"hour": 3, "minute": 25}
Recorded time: {"hour": 6, "minute": 54}
